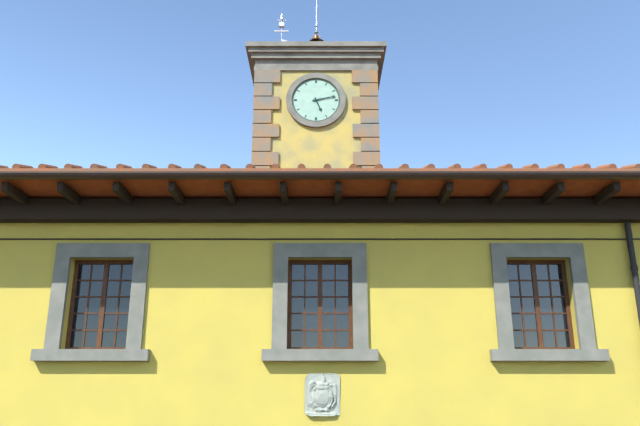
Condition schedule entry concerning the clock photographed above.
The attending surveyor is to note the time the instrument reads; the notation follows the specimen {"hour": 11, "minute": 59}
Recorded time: {"hour": 5, "minute": 13}
